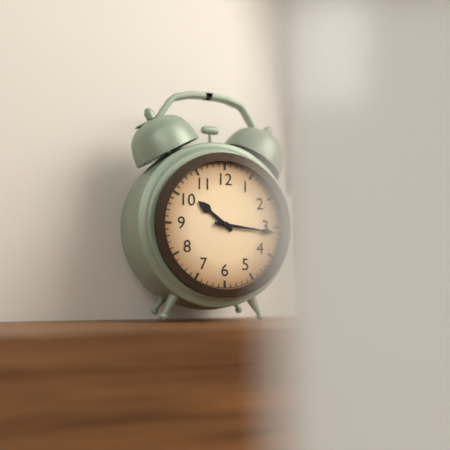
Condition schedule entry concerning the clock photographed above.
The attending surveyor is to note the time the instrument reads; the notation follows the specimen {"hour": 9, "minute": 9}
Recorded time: {"hour": 10, "minute": 16}
